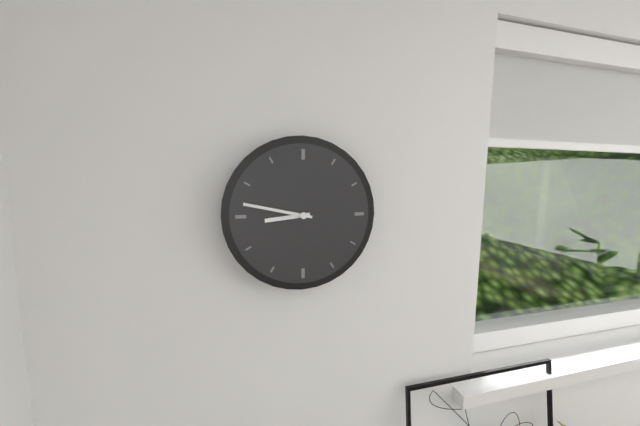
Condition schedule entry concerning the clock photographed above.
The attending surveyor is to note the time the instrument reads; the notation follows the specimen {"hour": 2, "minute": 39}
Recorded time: {"hour": 8, "minute": 47}
